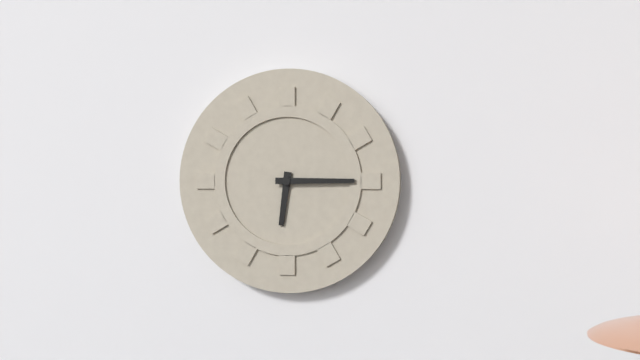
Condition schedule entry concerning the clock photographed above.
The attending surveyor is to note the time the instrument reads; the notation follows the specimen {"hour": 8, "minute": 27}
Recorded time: {"hour": 6, "minute": 15}
